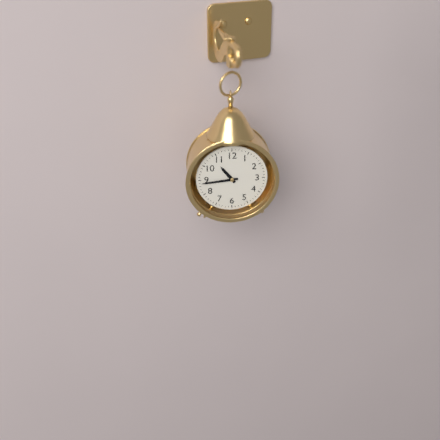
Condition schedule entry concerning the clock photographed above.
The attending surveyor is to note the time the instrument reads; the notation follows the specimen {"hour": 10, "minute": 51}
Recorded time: {"hour": 10, "minute": 44}
